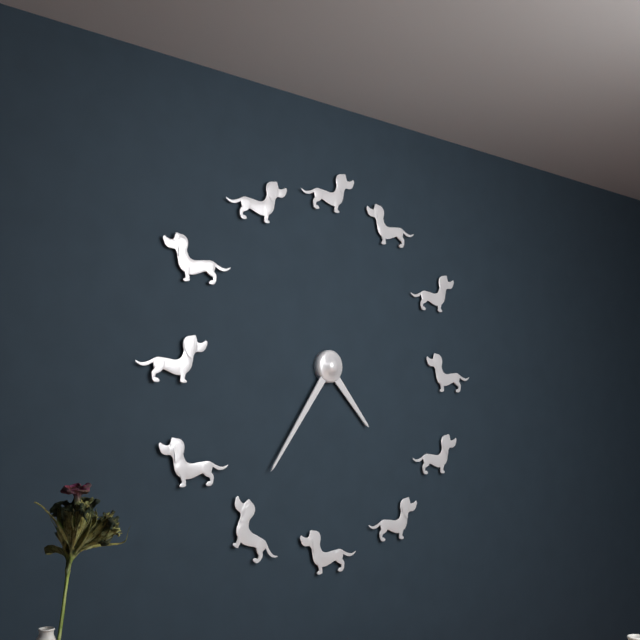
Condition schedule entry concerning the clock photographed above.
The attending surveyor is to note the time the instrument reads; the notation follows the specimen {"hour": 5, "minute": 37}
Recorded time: {"hour": 4, "minute": 36}
